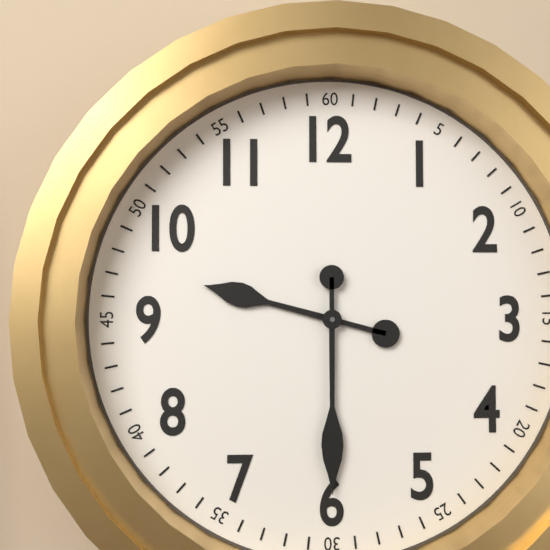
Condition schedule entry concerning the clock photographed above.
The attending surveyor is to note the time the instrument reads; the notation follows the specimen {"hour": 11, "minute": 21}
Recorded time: {"hour": 9, "minute": 30}
